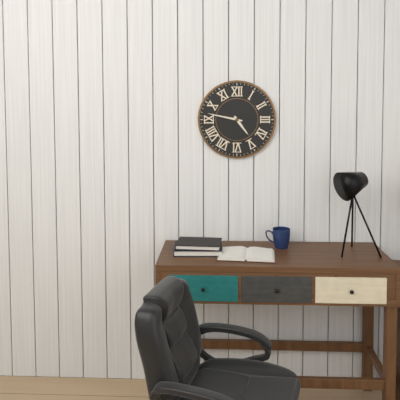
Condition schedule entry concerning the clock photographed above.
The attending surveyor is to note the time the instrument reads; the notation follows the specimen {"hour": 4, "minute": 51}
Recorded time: {"hour": 4, "minute": 47}
